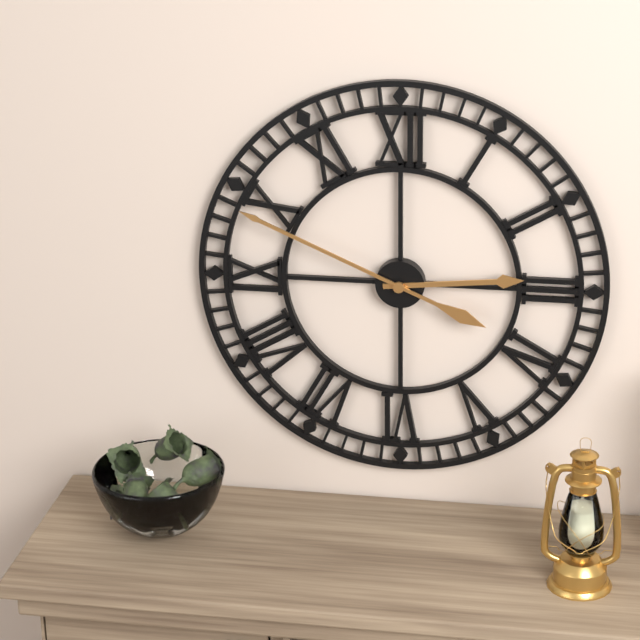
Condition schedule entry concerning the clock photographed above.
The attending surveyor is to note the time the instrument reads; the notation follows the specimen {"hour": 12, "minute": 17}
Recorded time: {"hour": 2, "minute": 49}
